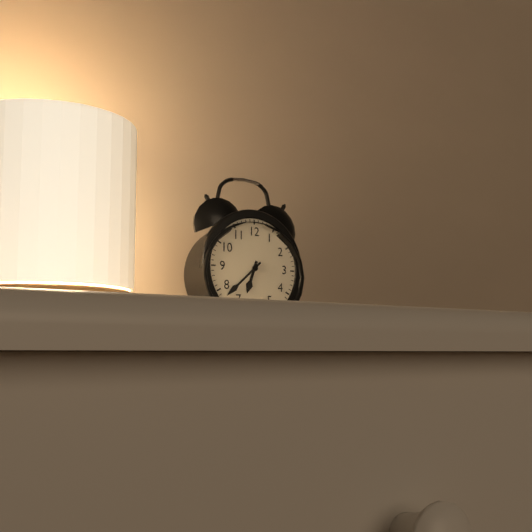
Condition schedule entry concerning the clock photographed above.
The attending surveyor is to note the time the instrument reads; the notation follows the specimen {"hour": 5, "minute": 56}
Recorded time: {"hour": 6, "minute": 38}
